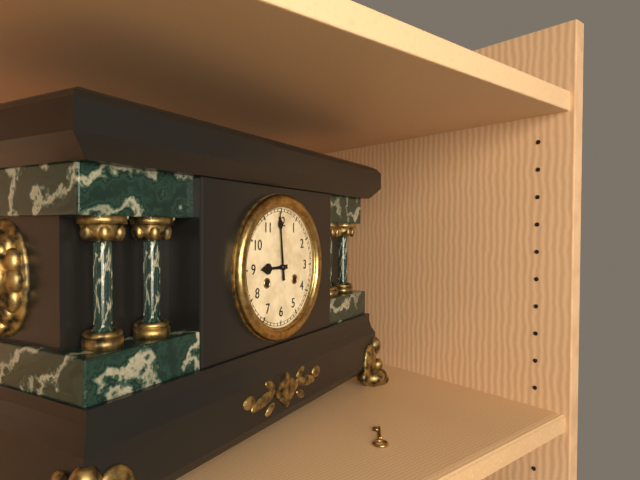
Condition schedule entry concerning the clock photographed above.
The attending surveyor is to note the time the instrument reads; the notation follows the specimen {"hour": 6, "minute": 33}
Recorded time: {"hour": 8, "minute": 59}
